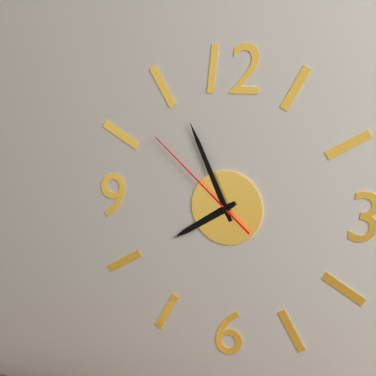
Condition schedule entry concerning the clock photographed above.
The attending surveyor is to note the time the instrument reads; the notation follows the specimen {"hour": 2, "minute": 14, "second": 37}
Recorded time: {"hour": 7, "minute": 56, "second": 52}
